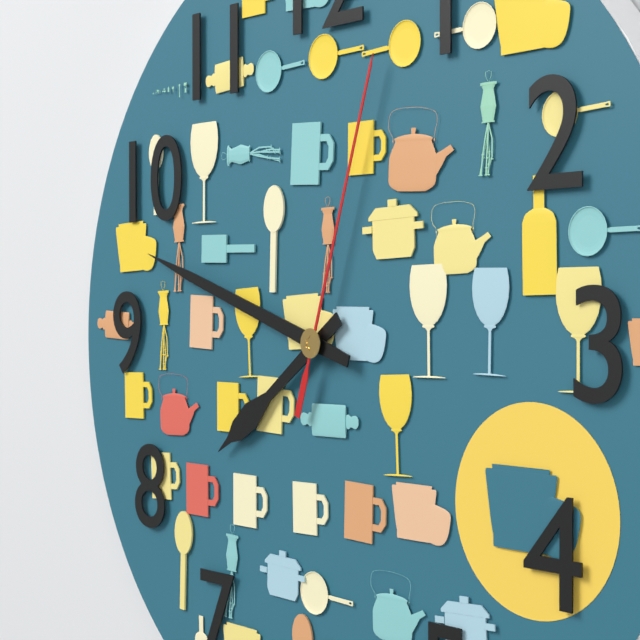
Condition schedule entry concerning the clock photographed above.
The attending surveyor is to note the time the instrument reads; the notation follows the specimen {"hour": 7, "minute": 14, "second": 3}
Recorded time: {"hour": 7, "minute": 48, "second": 3}
